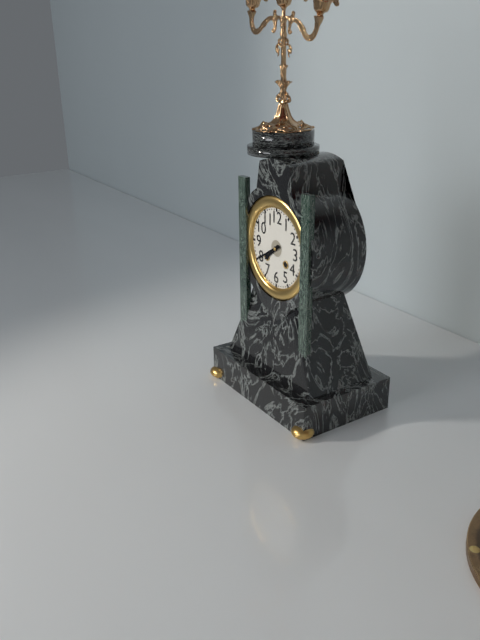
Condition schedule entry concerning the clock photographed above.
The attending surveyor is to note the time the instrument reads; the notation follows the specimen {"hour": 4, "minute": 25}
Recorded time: {"hour": 7, "minute": 40}
